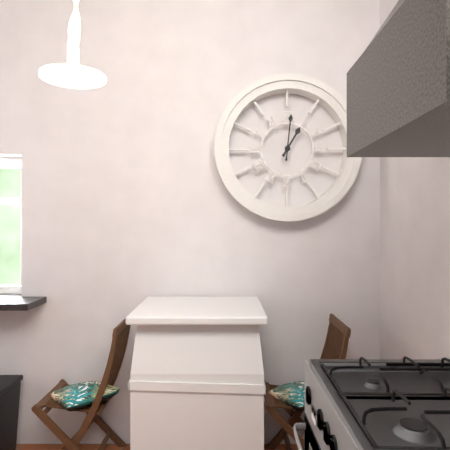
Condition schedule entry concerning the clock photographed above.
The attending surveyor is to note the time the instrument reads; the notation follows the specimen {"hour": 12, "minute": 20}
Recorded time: {"hour": 1, "minute": 1}
